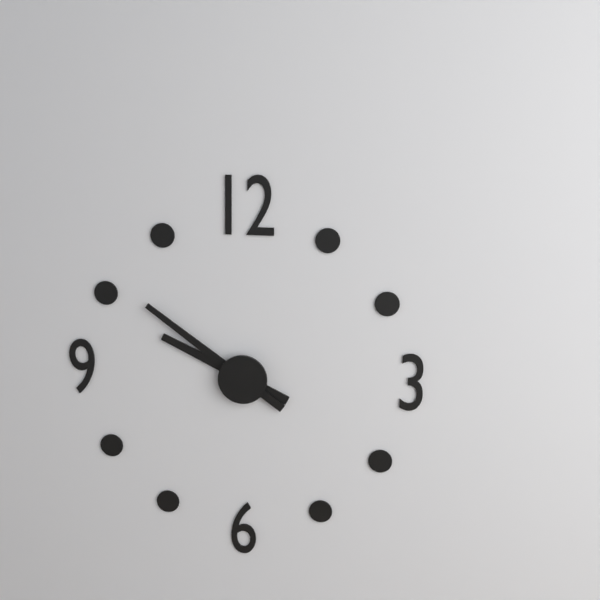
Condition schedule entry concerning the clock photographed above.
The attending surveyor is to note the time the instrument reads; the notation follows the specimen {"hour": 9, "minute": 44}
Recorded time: {"hour": 9, "minute": 51}
